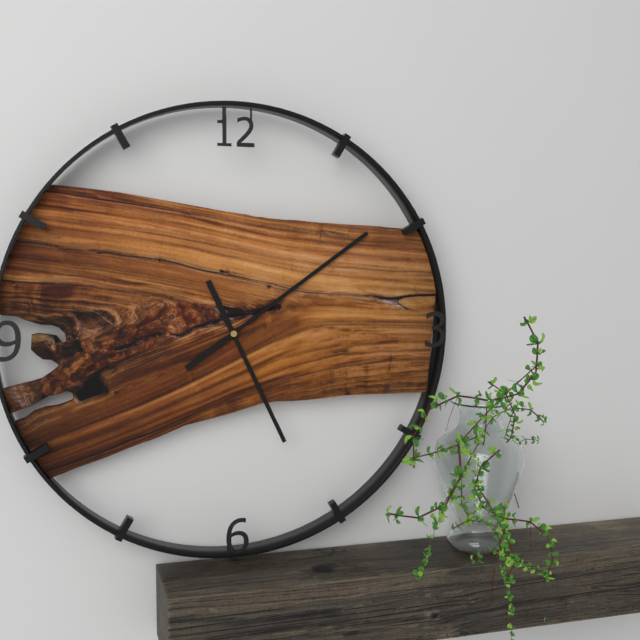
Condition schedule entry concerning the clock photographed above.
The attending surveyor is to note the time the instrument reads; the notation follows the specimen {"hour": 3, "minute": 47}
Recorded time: {"hour": 5, "minute": 9}
